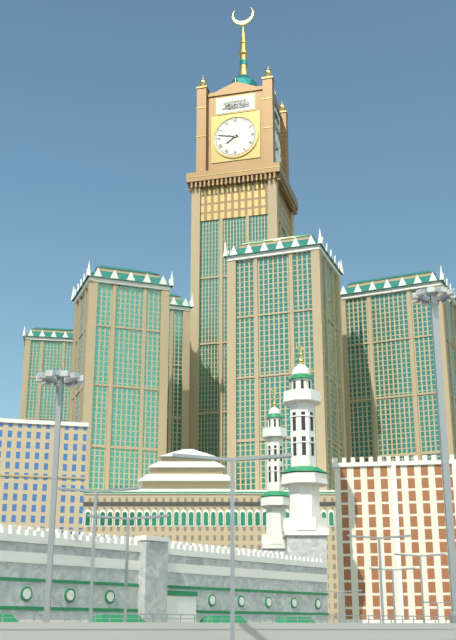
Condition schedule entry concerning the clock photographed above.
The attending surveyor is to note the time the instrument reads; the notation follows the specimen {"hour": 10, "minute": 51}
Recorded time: {"hour": 7, "minute": 47}
